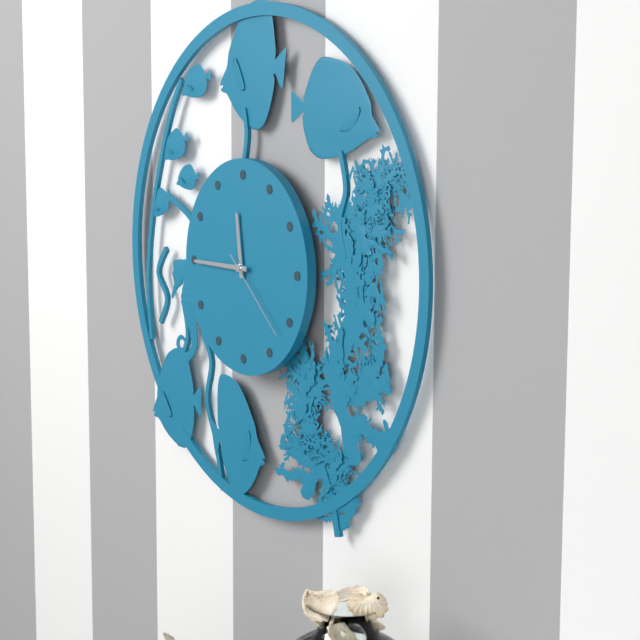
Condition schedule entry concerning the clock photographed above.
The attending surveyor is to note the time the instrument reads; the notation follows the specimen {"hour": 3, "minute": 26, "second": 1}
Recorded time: {"hour": 11, "minute": 45, "second": 22}
